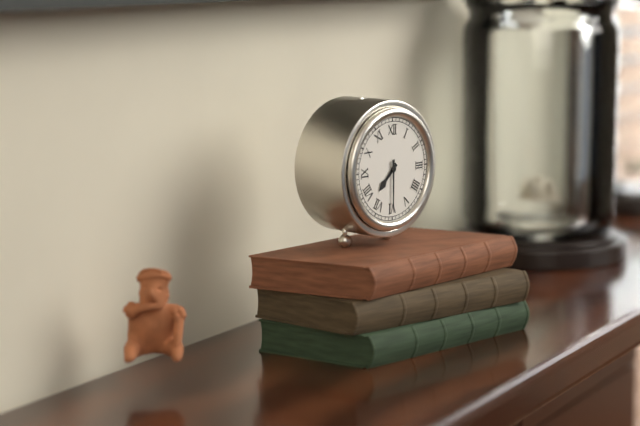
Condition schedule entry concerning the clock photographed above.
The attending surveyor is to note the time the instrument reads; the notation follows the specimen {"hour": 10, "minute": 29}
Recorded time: {"hour": 7, "minute": 30}
